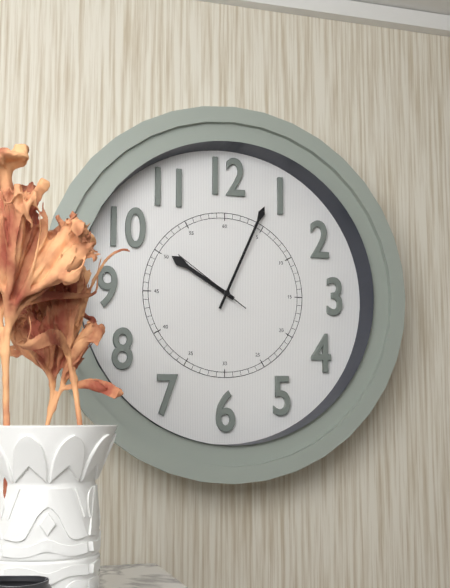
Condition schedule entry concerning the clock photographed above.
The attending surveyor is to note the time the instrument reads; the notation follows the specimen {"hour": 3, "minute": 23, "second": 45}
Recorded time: {"hour": 10, "minute": 4, "second": 51}
